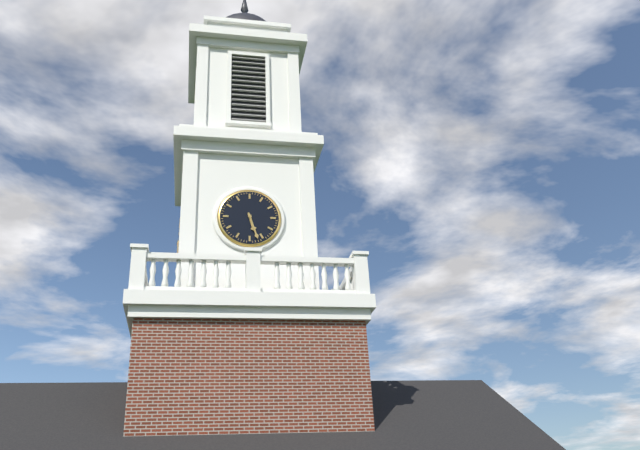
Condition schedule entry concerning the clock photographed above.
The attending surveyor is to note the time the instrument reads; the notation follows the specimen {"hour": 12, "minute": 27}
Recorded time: {"hour": 5, "minute": 27}
